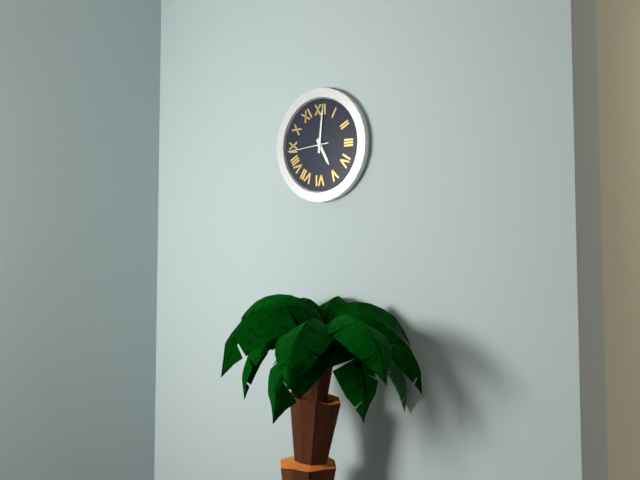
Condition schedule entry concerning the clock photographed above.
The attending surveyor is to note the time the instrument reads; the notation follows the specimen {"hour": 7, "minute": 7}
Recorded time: {"hour": 5, "minute": 1}
